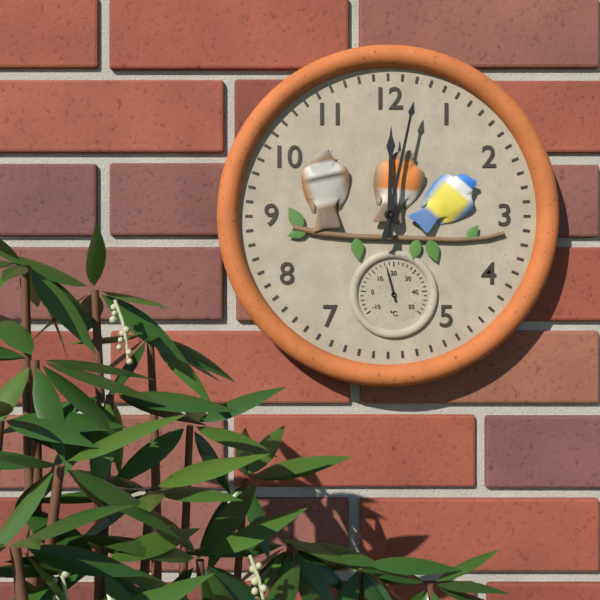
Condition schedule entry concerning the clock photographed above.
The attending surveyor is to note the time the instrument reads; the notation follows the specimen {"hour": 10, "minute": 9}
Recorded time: {"hour": 12, "minute": 2}
